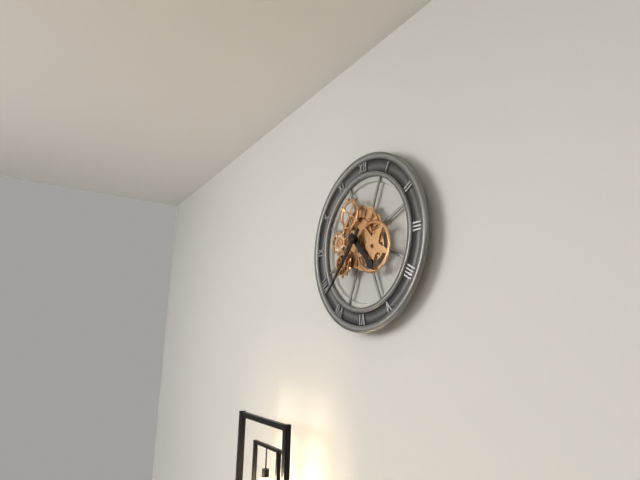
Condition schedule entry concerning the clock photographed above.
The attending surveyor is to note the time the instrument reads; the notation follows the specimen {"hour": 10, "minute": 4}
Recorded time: {"hour": 4, "minute": 37}
